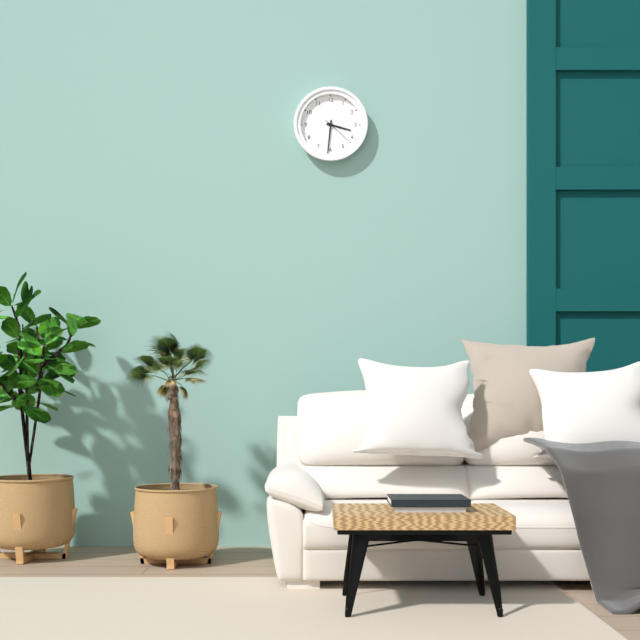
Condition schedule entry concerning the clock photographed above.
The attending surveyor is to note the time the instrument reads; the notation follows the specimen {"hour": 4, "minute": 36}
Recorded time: {"hour": 3, "minute": 31}
